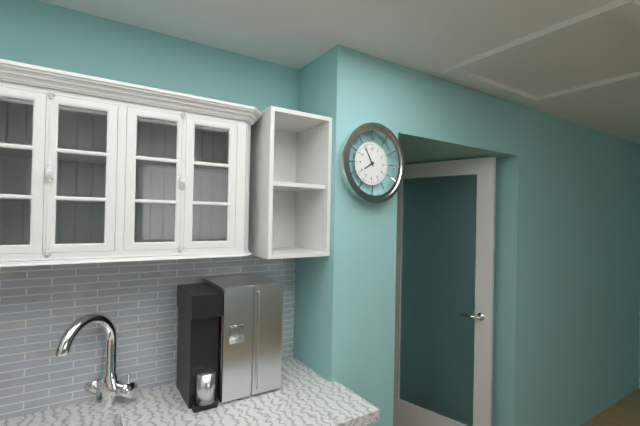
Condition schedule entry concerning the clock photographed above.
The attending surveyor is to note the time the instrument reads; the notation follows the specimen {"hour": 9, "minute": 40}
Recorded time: {"hour": 7, "minute": 55}
